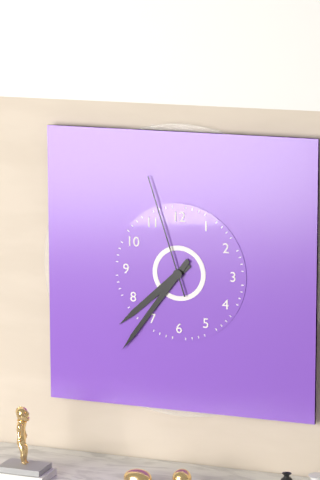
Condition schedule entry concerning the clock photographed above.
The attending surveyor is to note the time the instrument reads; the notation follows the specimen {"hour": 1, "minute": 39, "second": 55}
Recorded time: {"hour": 7, "minute": 36, "second": 57}
